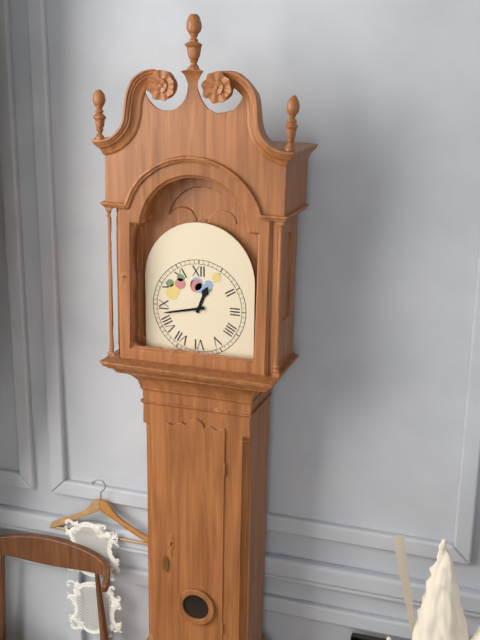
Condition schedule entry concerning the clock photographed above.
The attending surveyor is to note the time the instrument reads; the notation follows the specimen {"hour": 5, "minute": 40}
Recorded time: {"hour": 12, "minute": 43}
